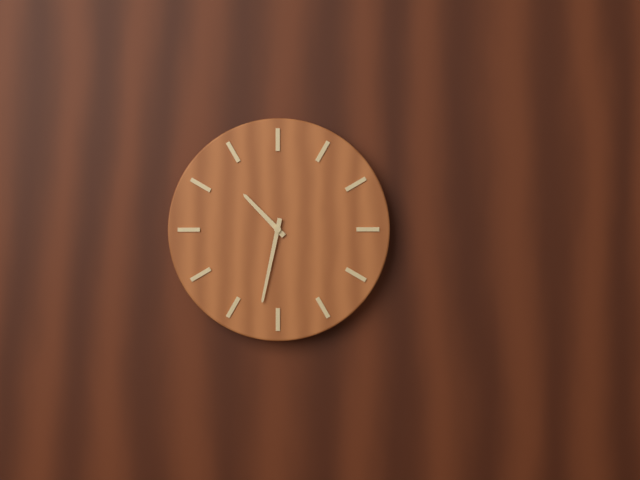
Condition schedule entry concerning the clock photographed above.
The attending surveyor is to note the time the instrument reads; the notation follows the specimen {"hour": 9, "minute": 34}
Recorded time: {"hour": 10, "minute": 32}
